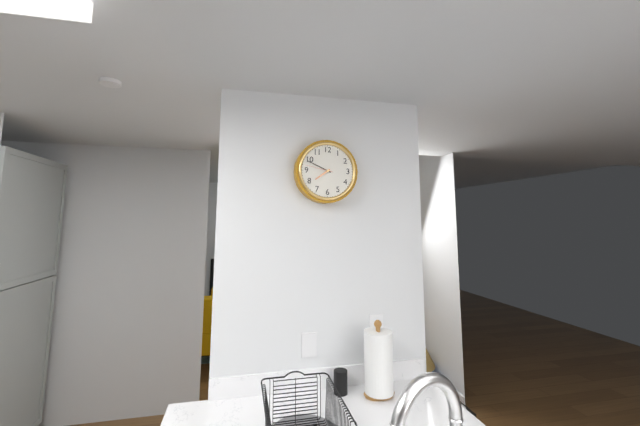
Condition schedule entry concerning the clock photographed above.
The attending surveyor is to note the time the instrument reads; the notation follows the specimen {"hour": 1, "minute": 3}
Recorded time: {"hour": 7, "minute": 49}
